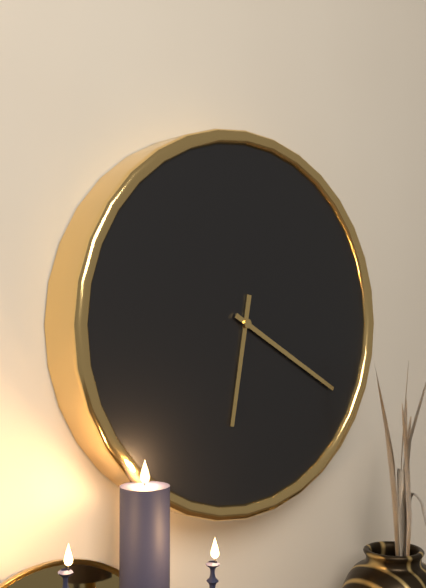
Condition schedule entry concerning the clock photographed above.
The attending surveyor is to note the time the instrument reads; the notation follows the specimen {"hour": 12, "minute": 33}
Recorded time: {"hour": 6, "minute": 20}
